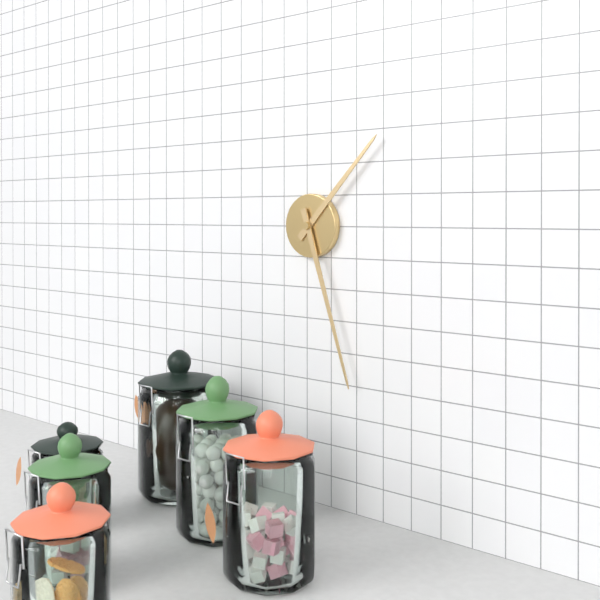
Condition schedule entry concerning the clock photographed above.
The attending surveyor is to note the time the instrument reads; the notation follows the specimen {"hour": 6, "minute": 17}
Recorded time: {"hour": 1, "minute": 27}
